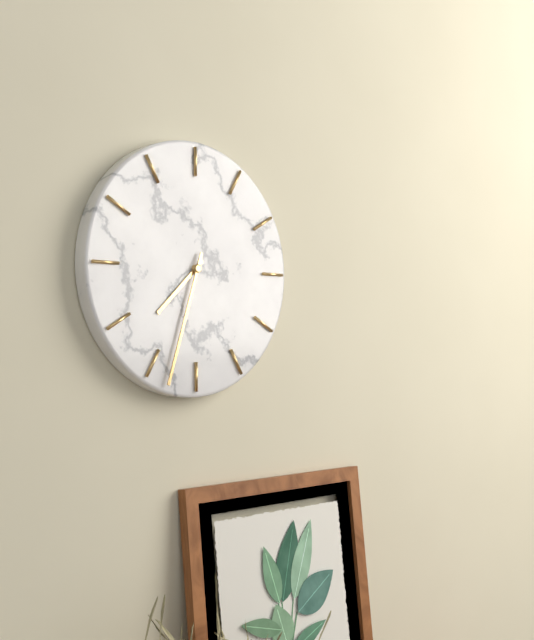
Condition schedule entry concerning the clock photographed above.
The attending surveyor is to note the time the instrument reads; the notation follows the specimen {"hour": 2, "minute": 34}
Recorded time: {"hour": 7, "minute": 33}
